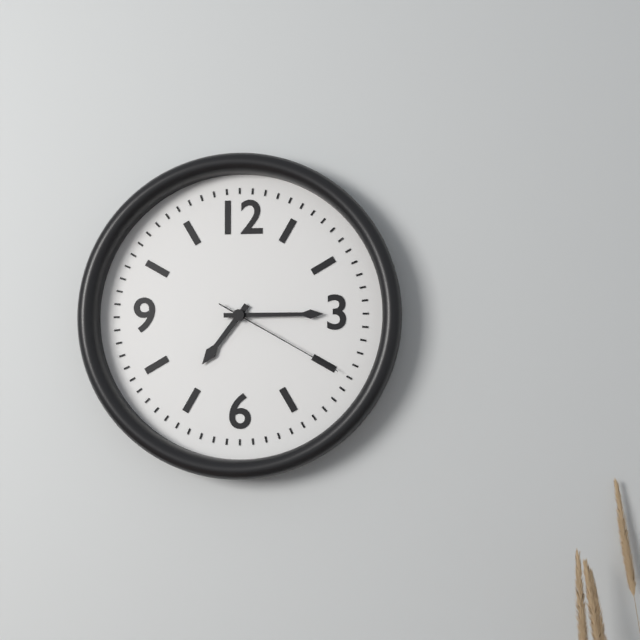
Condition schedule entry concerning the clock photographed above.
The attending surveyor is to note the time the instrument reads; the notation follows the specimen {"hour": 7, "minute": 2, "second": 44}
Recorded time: {"hour": 7, "minute": 15, "second": 20}
